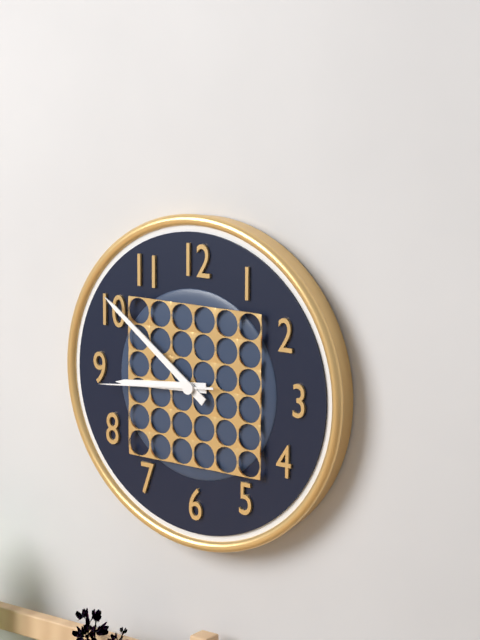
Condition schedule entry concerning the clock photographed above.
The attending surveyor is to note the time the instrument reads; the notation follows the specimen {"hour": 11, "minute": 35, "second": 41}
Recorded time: {"hour": 8, "minute": 51, "second": 44}
